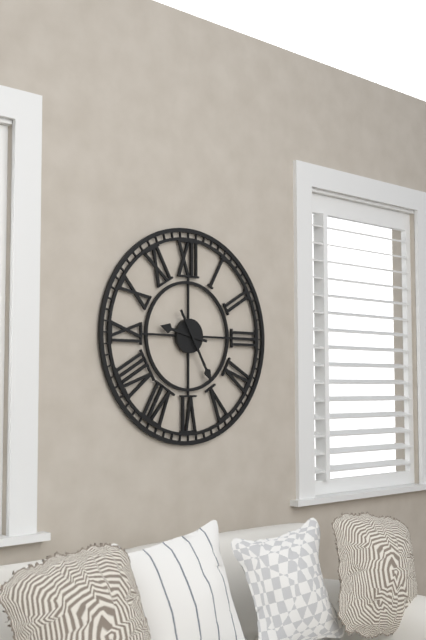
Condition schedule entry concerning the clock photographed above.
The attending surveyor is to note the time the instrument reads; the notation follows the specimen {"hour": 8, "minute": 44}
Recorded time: {"hour": 9, "minute": 25}
